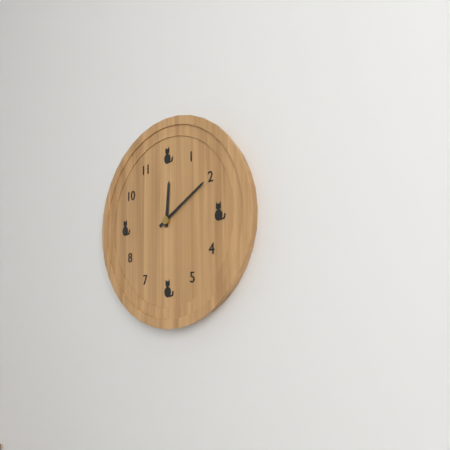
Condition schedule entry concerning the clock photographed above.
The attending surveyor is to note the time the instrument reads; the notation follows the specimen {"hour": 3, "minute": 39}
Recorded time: {"hour": 12, "minute": 10}
